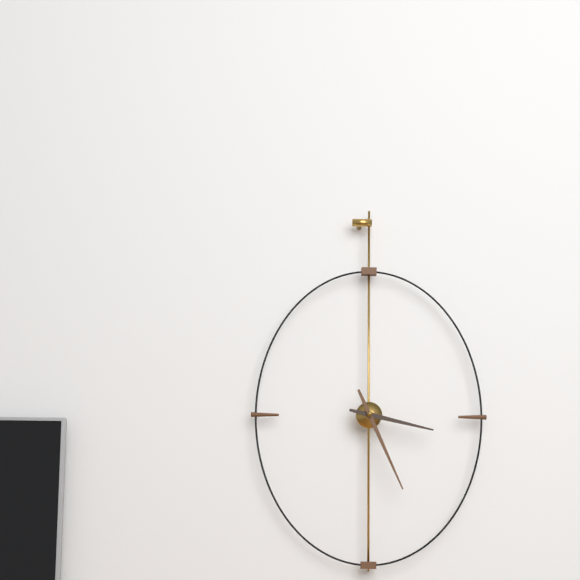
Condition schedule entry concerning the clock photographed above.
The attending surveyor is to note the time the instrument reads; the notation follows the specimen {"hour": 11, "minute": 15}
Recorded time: {"hour": 3, "minute": 26}
